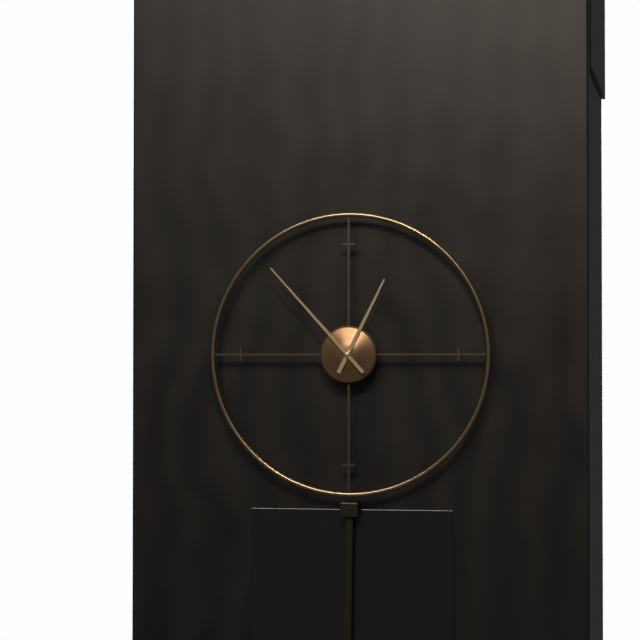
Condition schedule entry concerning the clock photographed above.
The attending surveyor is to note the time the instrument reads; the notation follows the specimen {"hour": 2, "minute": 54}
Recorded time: {"hour": 12, "minute": 53}
